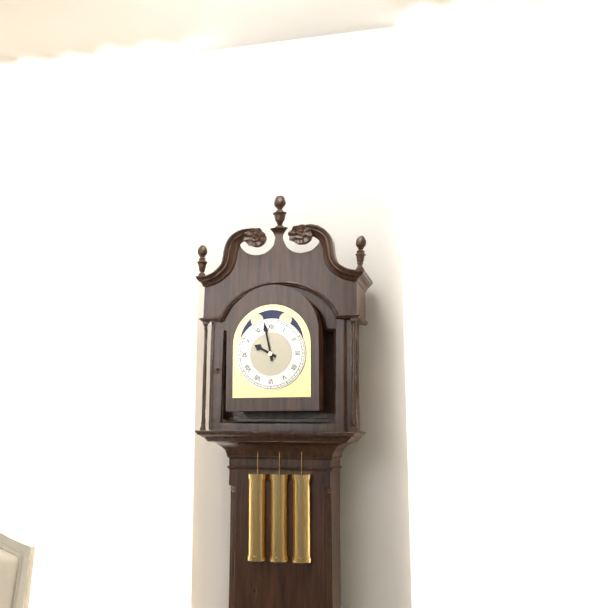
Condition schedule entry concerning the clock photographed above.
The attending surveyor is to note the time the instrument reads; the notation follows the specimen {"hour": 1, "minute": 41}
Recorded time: {"hour": 9, "minute": 58}
